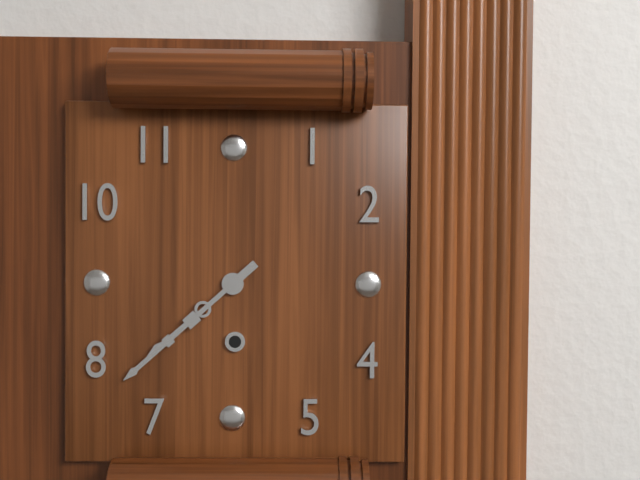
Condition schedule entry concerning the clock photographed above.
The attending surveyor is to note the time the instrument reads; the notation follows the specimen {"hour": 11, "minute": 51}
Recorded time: {"hour": 7, "minute": 38}
